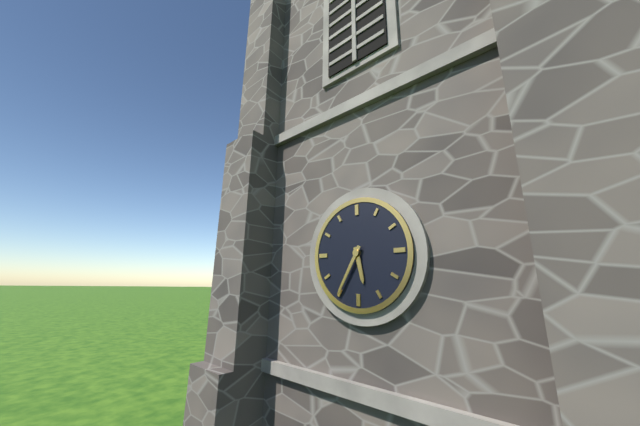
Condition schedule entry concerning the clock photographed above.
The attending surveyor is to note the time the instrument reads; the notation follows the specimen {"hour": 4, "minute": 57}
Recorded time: {"hour": 5, "minute": 35}
